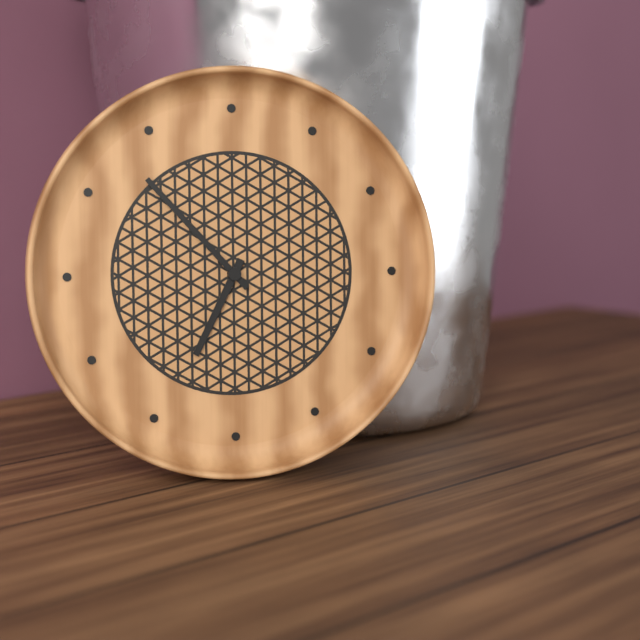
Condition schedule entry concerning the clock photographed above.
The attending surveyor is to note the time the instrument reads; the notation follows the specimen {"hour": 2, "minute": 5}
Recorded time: {"hour": 6, "minute": 53}
